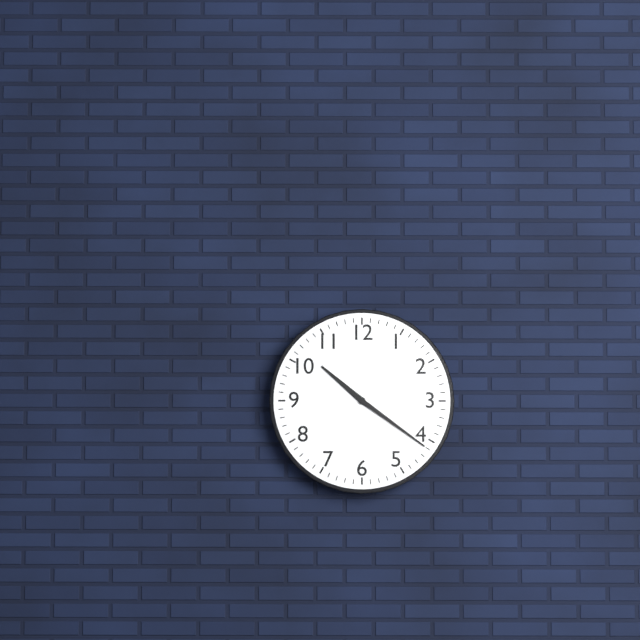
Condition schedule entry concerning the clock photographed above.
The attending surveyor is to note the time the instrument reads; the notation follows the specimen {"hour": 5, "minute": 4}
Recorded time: {"hour": 10, "minute": 21}
